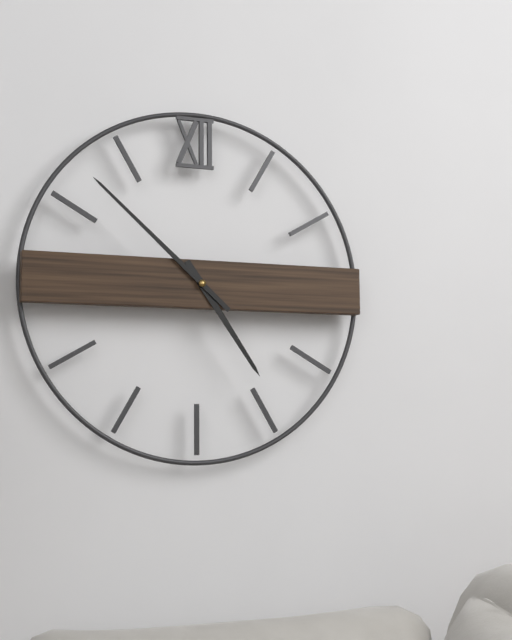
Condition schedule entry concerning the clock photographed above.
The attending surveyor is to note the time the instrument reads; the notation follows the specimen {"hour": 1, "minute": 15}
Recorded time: {"hour": 4, "minute": 52}
